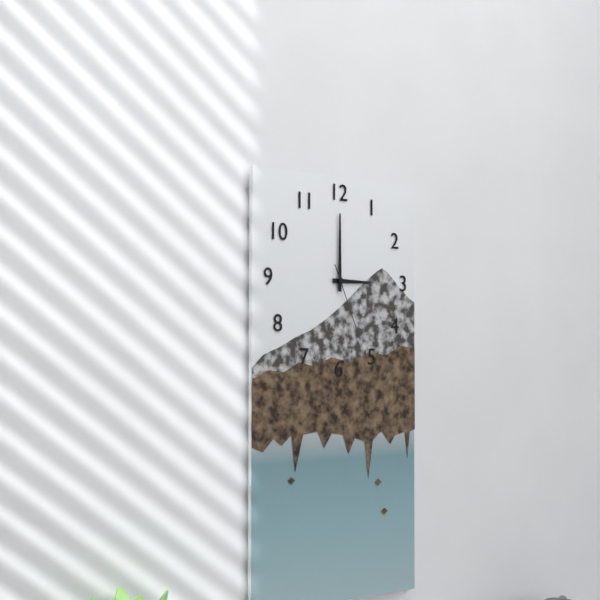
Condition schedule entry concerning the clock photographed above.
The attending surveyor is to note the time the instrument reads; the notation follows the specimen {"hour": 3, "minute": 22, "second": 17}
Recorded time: {"hour": 3, "minute": 0, "second": 26}
